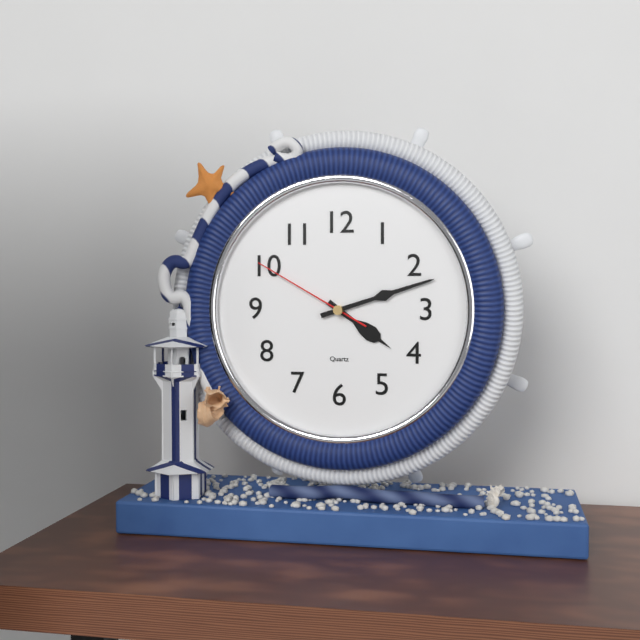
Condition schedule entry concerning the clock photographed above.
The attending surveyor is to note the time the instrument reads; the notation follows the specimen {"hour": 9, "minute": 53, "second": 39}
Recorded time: {"hour": 4, "minute": 12, "second": 50}
